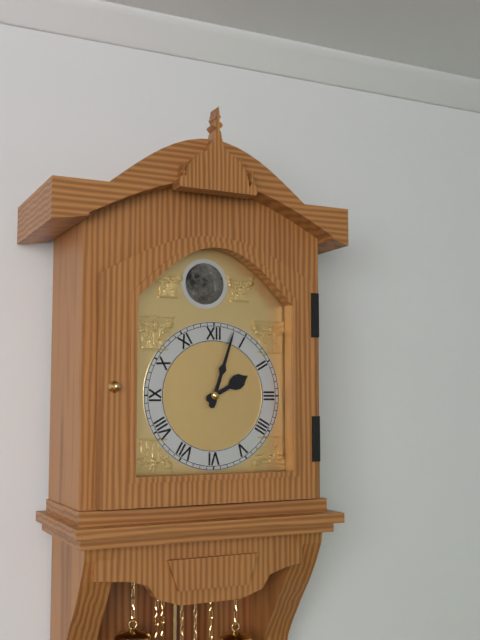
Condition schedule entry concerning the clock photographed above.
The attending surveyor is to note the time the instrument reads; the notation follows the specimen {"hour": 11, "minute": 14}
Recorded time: {"hour": 2, "minute": 3}
